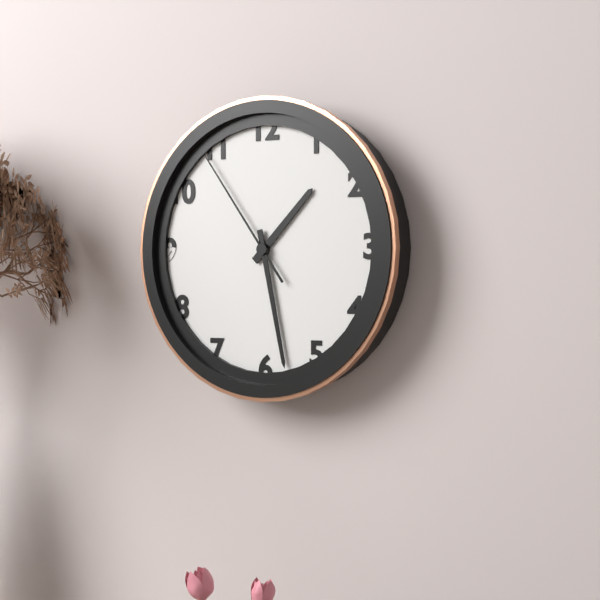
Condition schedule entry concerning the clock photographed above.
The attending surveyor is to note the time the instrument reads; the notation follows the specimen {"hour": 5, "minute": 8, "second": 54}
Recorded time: {"hour": 1, "minute": 28, "second": 54}
